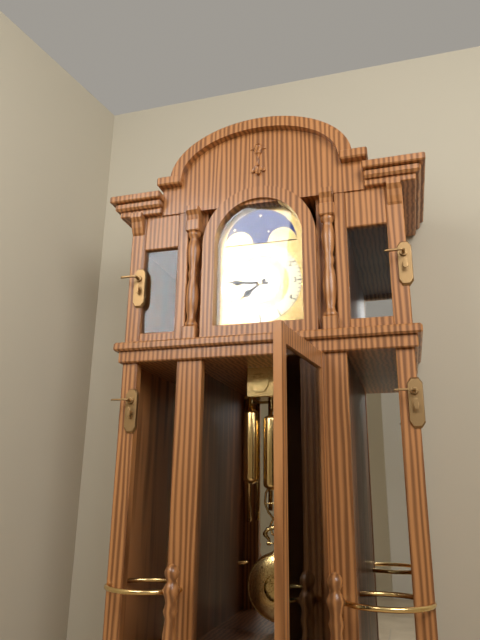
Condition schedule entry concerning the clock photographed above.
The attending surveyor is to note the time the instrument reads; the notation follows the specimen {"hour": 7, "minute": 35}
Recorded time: {"hour": 7, "minute": 46}
